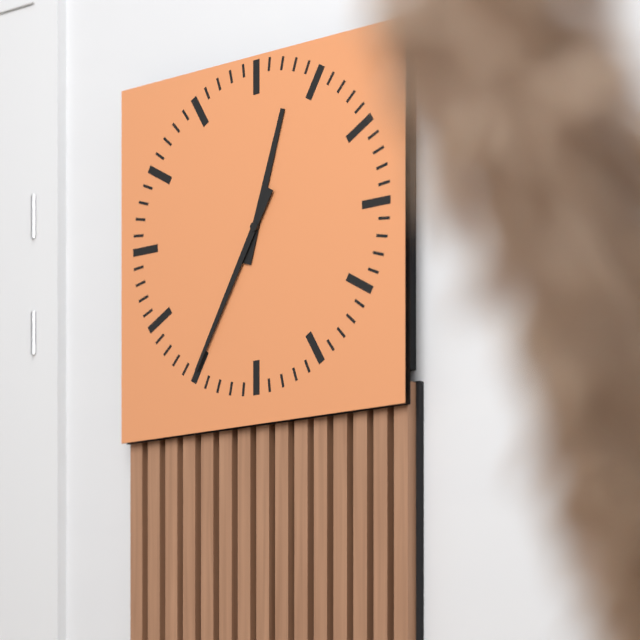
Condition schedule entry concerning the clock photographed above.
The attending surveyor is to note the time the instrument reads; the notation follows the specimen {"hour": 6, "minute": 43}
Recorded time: {"hour": 12, "minute": 35}
